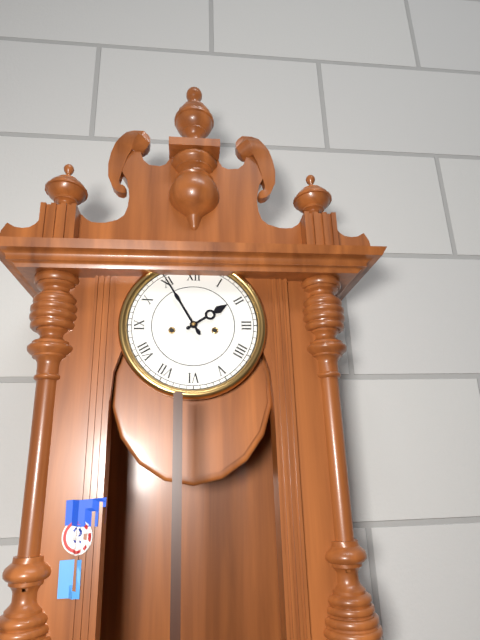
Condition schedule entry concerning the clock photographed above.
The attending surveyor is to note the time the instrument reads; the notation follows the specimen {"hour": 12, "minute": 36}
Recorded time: {"hour": 1, "minute": 55}
